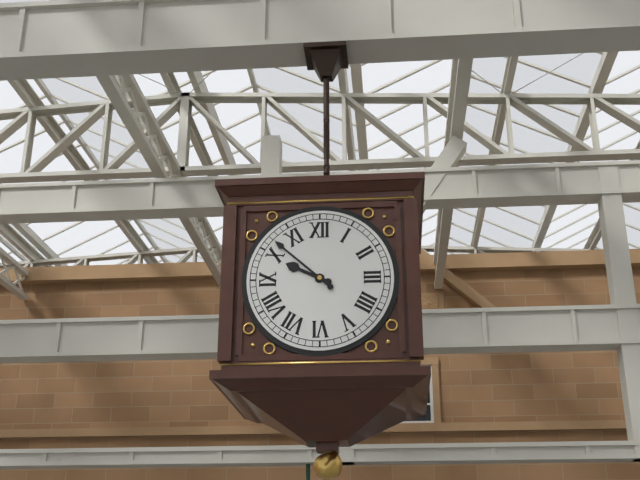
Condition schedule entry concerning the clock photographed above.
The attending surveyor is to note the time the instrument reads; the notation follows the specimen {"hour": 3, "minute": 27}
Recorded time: {"hour": 9, "minute": 52}
